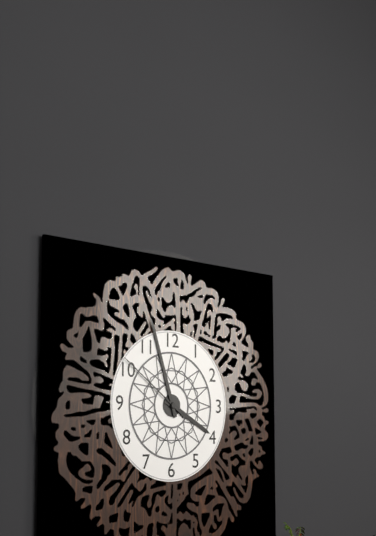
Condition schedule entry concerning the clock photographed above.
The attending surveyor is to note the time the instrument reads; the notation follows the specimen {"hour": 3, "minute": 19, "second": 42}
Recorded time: {"hour": 3, "minute": 57, "second": 51}
